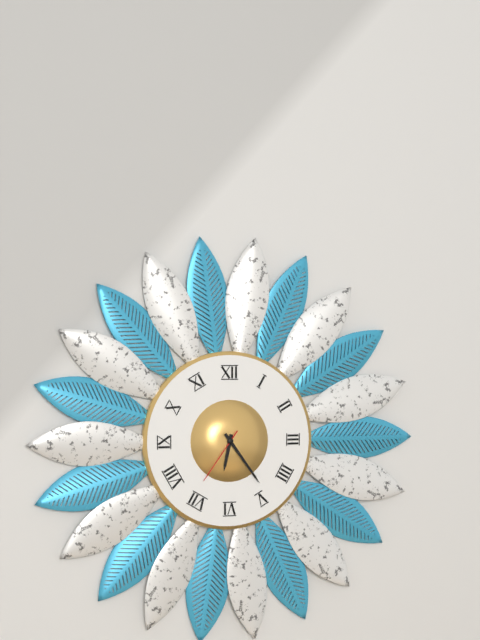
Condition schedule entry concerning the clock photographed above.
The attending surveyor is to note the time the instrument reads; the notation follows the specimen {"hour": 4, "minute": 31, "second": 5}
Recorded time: {"hour": 6, "minute": 24, "second": 36}
